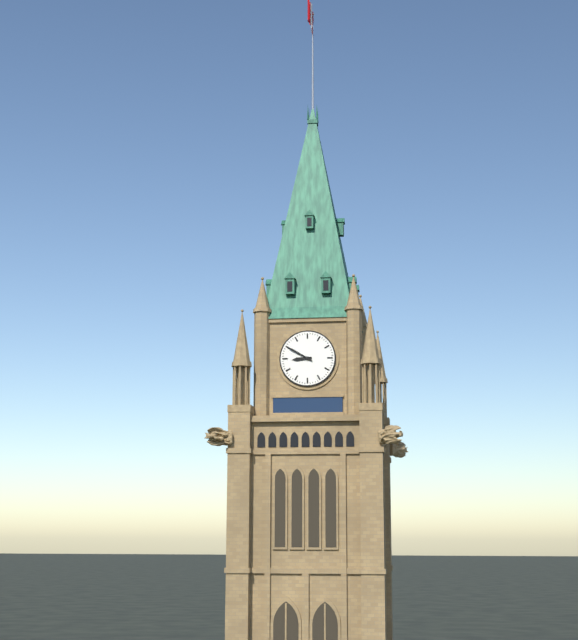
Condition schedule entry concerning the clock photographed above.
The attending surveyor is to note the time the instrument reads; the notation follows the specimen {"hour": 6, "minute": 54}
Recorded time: {"hour": 8, "minute": 50}
